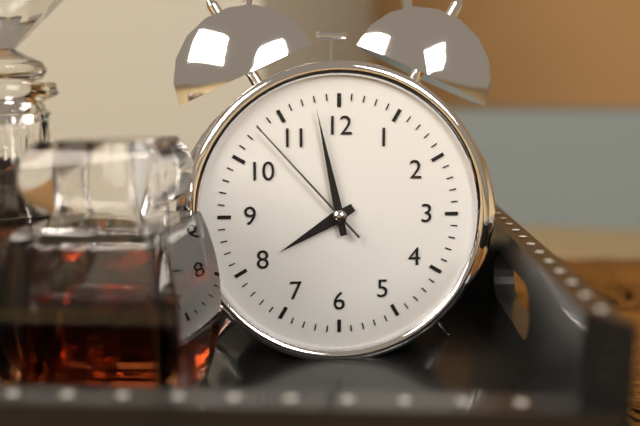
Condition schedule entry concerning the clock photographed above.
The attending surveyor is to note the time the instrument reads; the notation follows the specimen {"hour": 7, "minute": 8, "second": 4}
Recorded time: {"hour": 7, "minute": 58, "second": 53}
